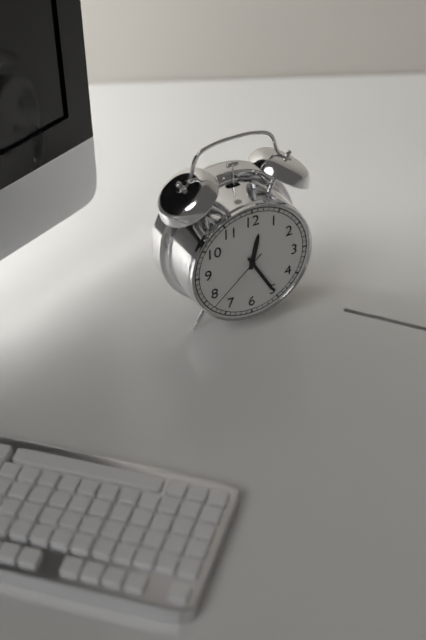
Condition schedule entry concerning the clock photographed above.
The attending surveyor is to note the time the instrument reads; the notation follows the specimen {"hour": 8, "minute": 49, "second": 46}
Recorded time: {"hour": 12, "minute": 25, "second": 38}
